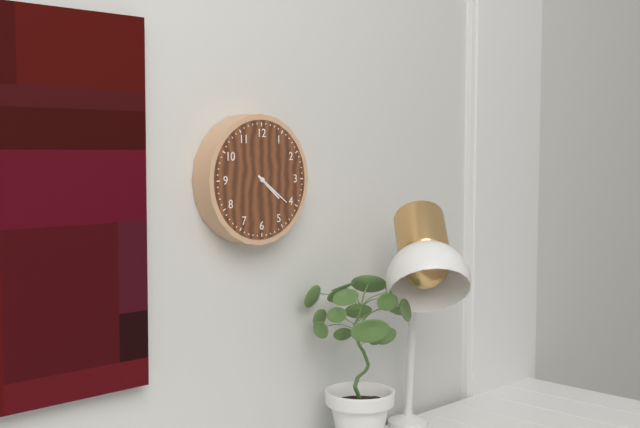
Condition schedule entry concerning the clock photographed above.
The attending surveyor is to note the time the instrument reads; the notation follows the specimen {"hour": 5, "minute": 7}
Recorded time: {"hour": 4, "minute": 21}
